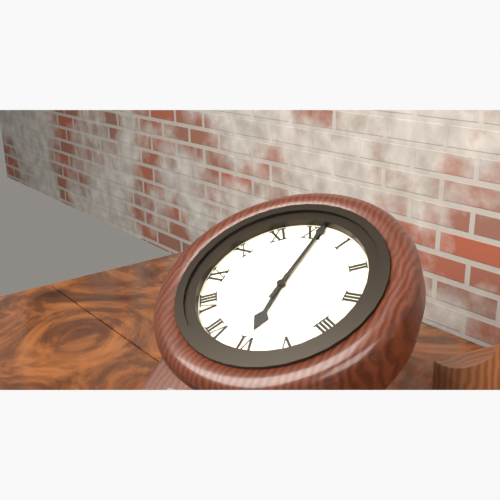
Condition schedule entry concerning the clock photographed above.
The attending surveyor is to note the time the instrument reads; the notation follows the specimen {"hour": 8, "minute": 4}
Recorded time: {"hour": 6, "minute": 1}
